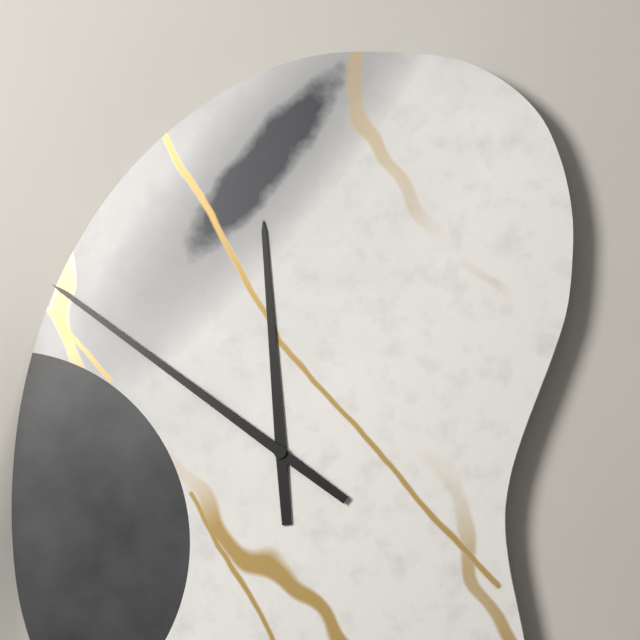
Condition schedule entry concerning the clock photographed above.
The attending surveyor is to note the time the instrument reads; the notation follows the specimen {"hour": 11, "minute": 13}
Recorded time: {"hour": 11, "minute": 51}
